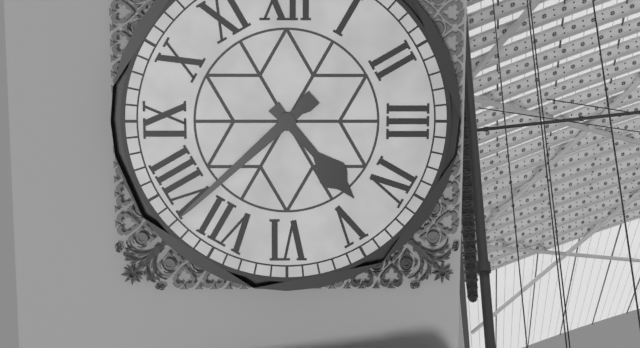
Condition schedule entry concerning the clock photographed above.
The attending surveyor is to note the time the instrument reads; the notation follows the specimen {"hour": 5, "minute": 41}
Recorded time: {"hour": 4, "minute": 38}
